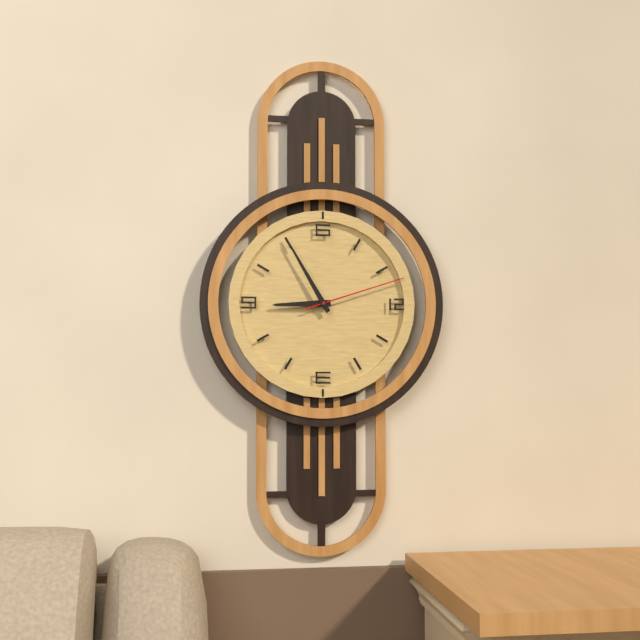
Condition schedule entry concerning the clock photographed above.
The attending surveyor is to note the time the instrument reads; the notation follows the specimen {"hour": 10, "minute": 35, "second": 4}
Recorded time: {"hour": 8, "minute": 55, "second": 12}
